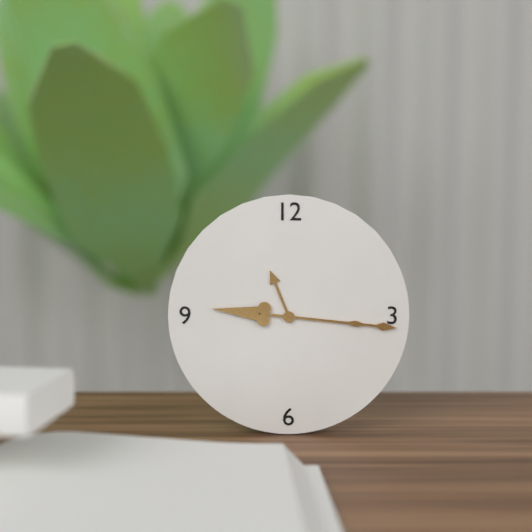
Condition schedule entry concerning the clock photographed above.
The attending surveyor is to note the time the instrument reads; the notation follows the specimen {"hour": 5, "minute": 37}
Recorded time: {"hour": 11, "minute": 16}
